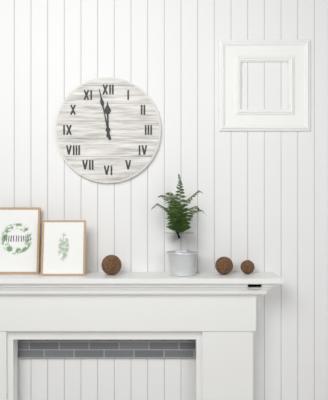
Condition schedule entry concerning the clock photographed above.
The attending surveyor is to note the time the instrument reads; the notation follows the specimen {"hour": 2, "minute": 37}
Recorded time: {"hour": 11, "minute": 58}
